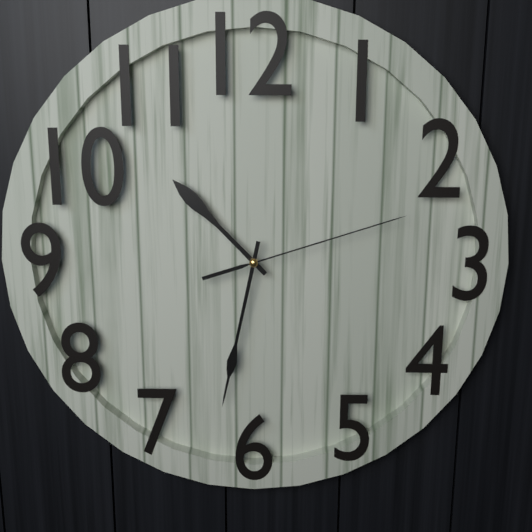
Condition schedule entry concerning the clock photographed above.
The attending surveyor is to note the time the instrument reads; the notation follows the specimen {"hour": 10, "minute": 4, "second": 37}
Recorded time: {"hour": 10, "minute": 32, "second": 12}
